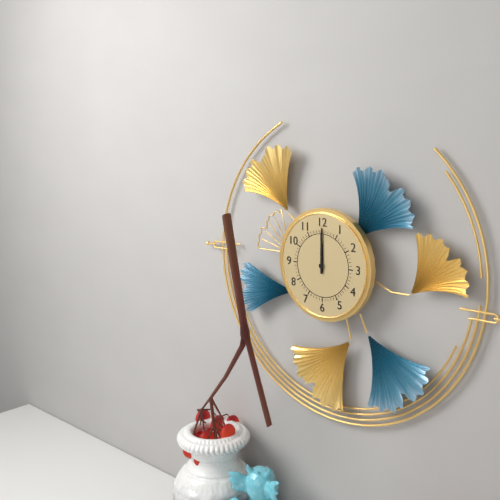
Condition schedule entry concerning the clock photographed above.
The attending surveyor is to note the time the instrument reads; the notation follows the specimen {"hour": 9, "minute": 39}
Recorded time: {"hour": 12, "minute": 0}
